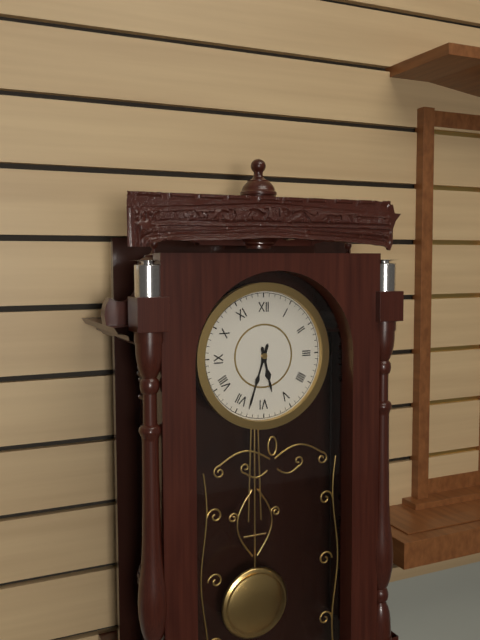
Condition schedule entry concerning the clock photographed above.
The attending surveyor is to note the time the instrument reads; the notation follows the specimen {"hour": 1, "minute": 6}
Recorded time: {"hour": 5, "minute": 33}
